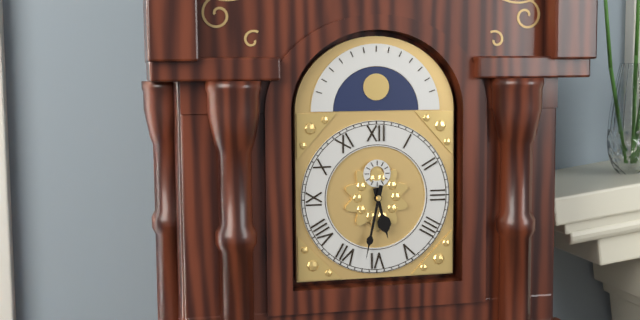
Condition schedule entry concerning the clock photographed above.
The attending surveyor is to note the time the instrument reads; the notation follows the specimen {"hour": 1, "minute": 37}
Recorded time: {"hour": 5, "minute": 32}
